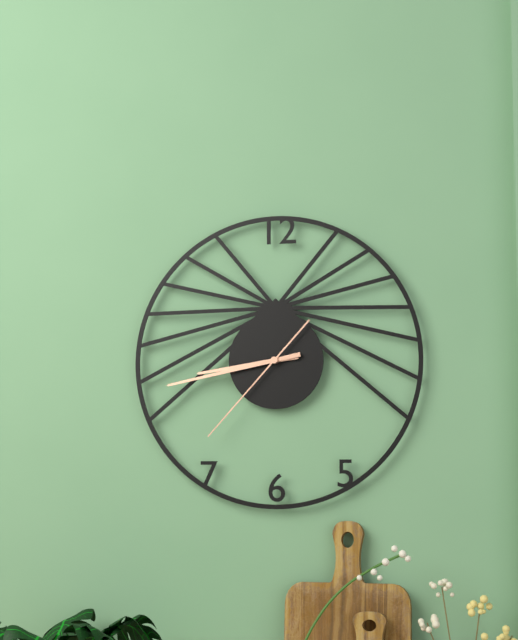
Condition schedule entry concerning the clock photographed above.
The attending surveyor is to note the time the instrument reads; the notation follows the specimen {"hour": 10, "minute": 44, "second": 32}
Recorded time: {"hour": 8, "minute": 43, "second": 37}
